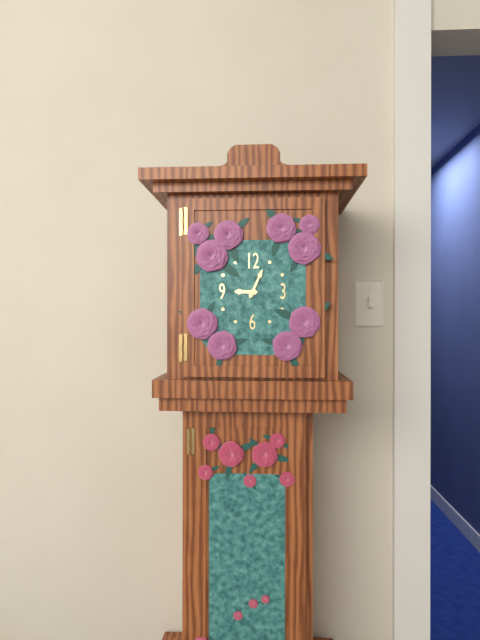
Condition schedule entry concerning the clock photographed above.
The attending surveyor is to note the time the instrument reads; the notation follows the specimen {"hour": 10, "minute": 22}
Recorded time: {"hour": 9, "minute": 4}
